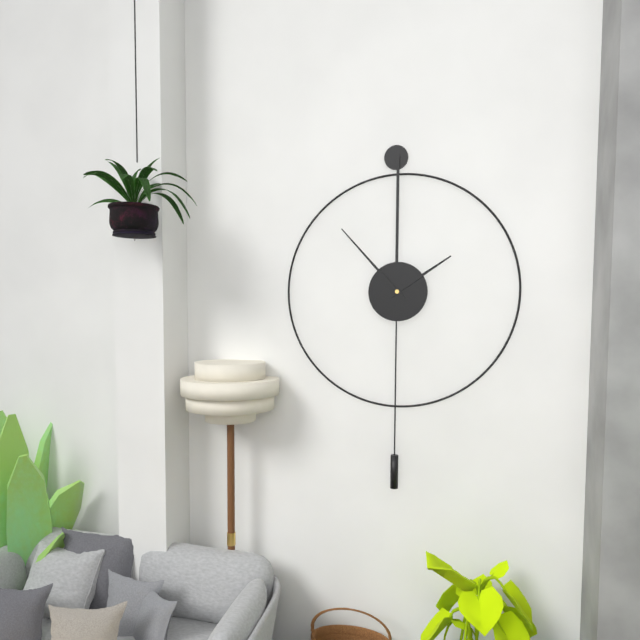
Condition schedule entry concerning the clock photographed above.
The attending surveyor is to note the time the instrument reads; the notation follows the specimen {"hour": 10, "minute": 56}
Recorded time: {"hour": 1, "minute": 53}
